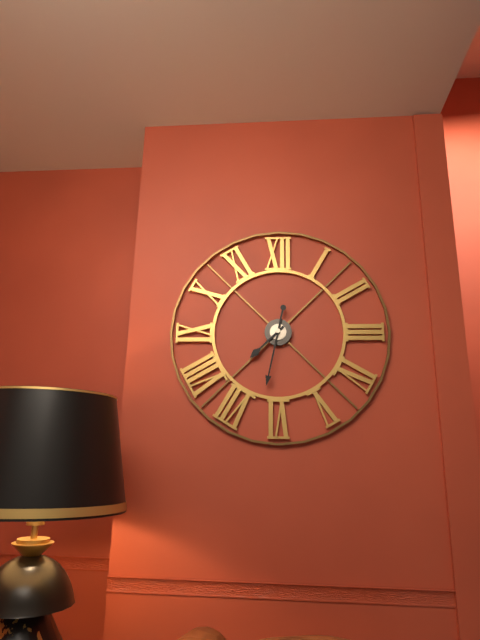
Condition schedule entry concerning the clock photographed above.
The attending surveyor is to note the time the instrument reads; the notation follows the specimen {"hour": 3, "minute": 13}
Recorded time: {"hour": 7, "minute": 32}
